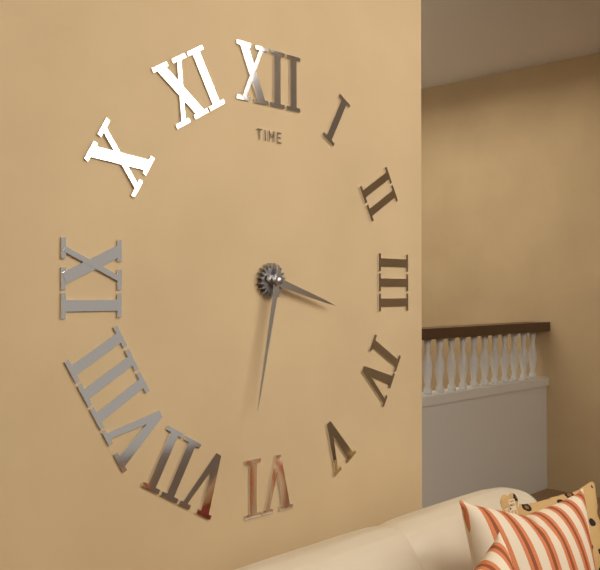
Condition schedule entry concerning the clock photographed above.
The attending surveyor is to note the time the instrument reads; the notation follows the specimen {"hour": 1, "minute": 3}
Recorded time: {"hour": 3, "minute": 32}
